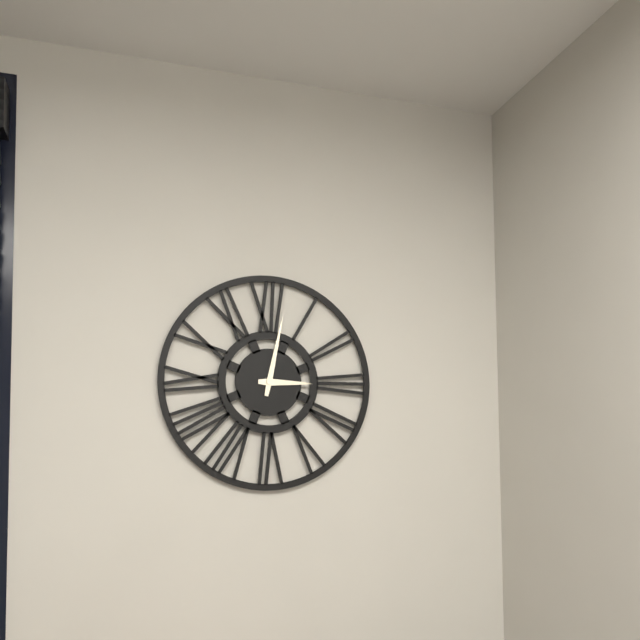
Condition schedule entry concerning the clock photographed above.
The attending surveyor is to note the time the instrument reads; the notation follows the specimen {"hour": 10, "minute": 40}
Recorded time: {"hour": 3, "minute": 2}
